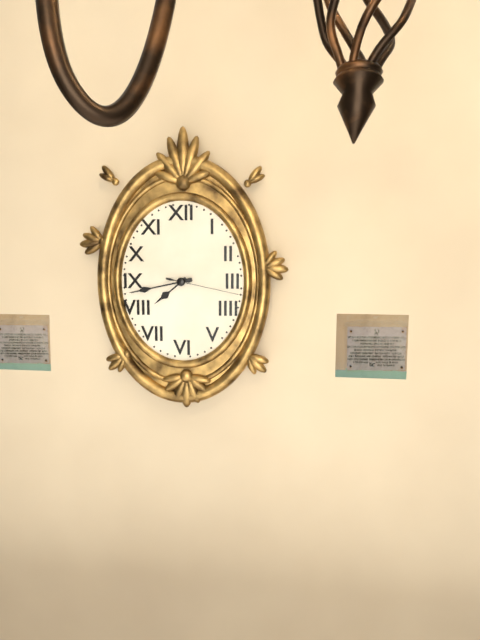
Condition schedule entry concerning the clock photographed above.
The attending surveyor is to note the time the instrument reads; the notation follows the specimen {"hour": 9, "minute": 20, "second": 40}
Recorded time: {"hour": 7, "minute": 43, "second": 17}
